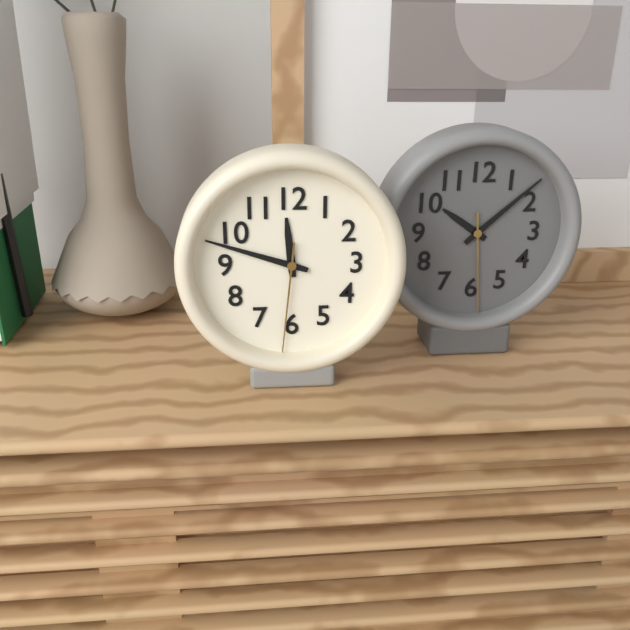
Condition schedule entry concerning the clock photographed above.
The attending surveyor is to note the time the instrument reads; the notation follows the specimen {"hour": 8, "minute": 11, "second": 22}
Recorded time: {"hour": 11, "minute": 48, "second": 31}
